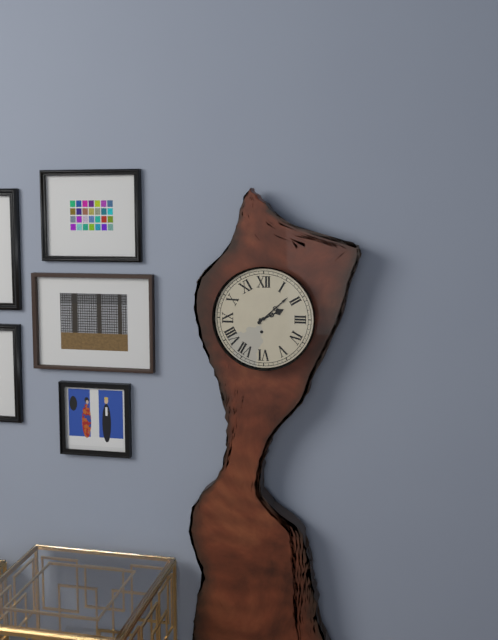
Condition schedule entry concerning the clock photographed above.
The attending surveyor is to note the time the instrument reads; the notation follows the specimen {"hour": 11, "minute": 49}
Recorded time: {"hour": 2, "minute": 8}
